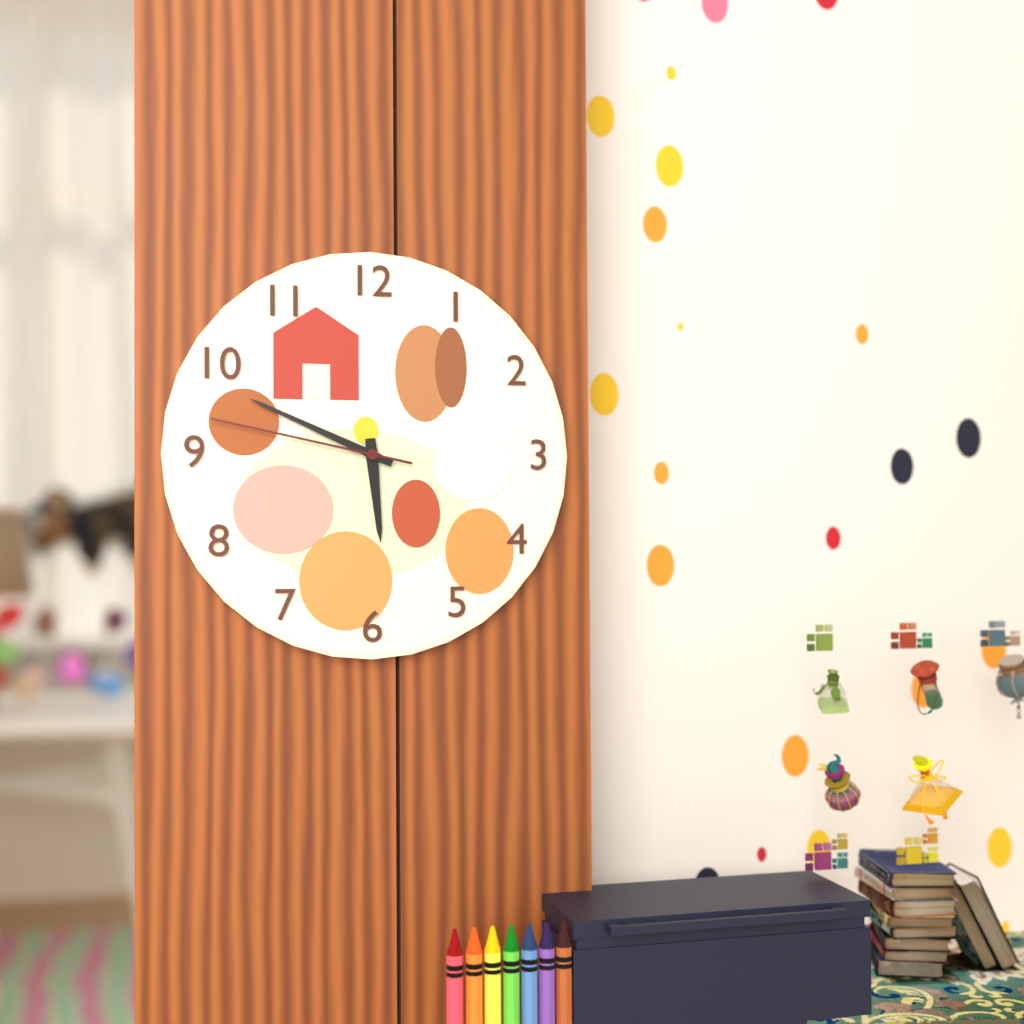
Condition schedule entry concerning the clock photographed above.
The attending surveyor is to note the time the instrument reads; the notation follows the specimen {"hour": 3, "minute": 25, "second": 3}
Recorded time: {"hour": 5, "minute": 49, "second": 47}
